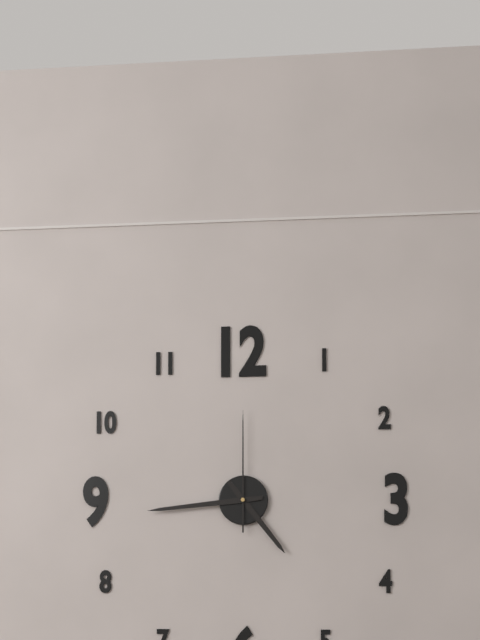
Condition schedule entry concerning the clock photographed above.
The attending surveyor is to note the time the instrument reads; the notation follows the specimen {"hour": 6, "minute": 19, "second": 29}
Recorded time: {"hour": 4, "minute": 44, "second": 0}
